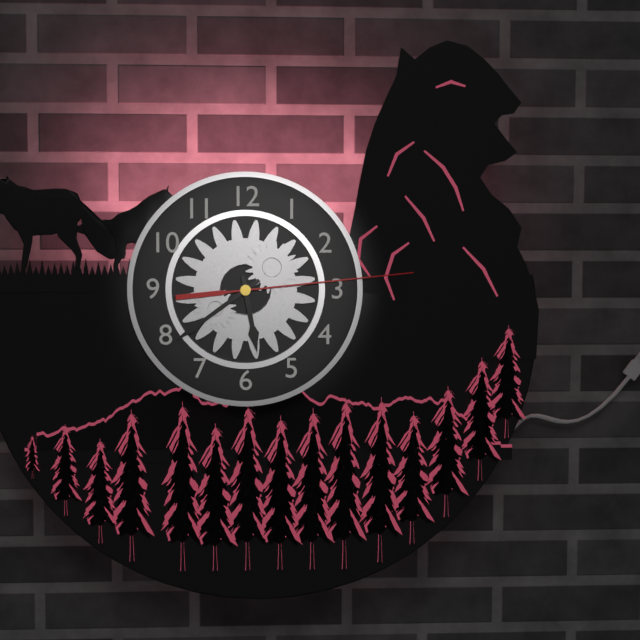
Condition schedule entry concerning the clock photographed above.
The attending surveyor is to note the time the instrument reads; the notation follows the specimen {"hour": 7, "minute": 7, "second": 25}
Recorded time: {"hour": 5, "minute": 39, "second": 14}
